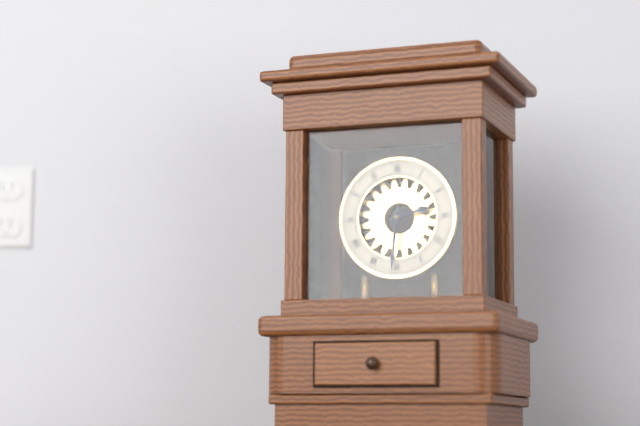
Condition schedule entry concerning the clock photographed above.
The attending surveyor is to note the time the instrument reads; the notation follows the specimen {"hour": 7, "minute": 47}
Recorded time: {"hour": 2, "minute": 31}
